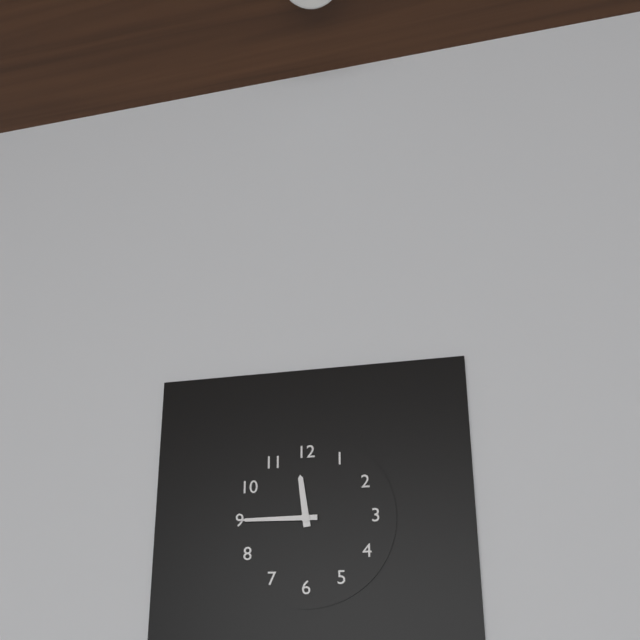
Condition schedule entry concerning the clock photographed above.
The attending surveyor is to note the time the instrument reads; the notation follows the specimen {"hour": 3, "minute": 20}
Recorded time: {"hour": 11, "minute": 45}
